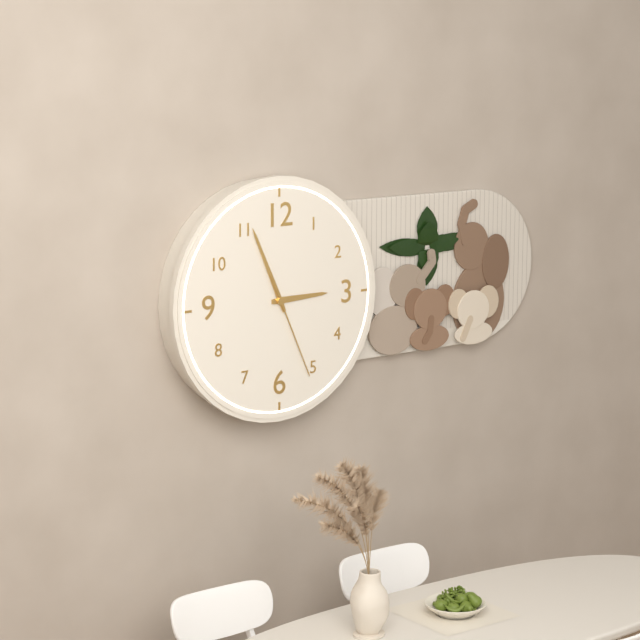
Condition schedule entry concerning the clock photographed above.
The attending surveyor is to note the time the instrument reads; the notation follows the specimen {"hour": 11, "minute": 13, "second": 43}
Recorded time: {"hour": 2, "minute": 56, "second": 26}
